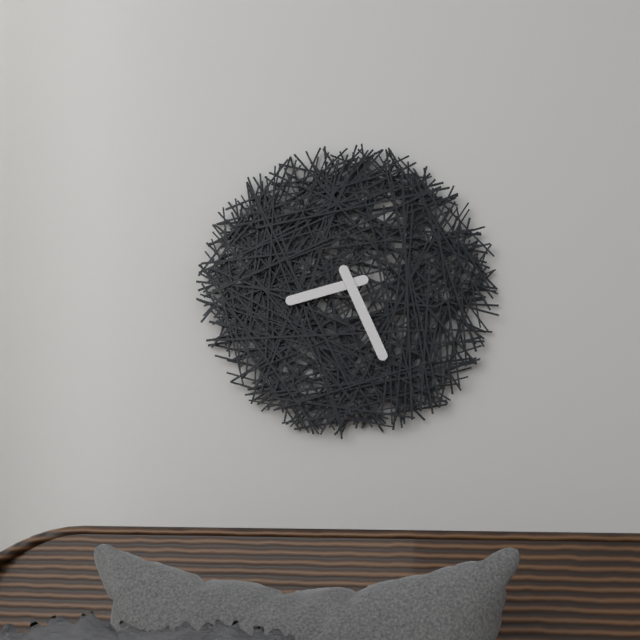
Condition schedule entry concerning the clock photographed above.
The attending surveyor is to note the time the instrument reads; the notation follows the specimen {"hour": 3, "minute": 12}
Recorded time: {"hour": 8, "minute": 26}
